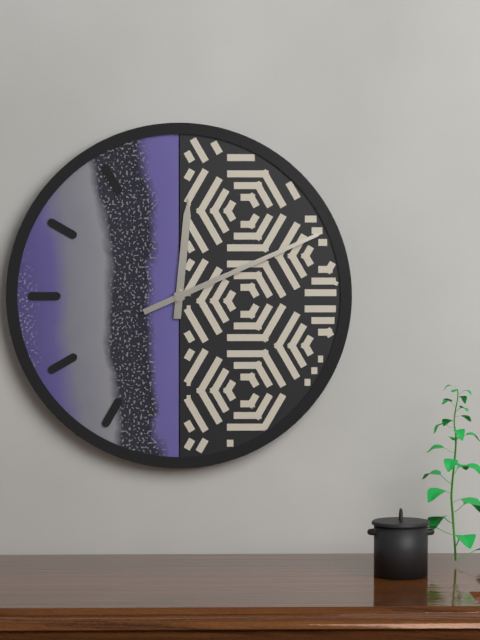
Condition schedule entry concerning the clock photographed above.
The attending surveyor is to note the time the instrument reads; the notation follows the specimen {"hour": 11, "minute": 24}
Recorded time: {"hour": 12, "minute": 11}
